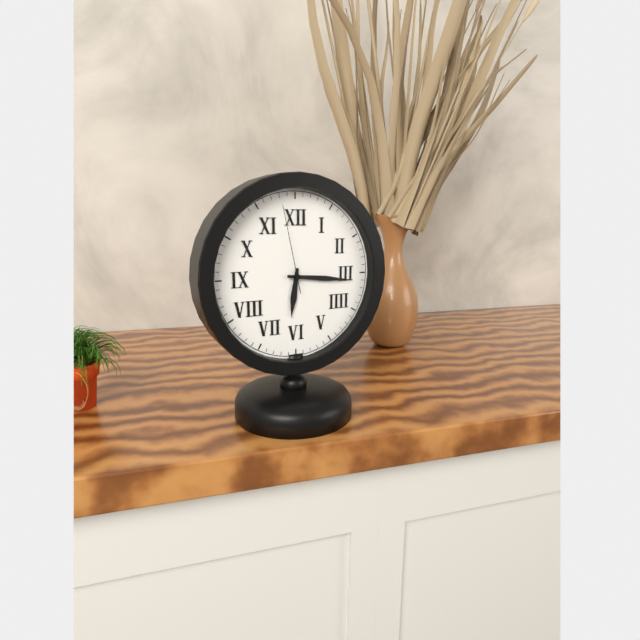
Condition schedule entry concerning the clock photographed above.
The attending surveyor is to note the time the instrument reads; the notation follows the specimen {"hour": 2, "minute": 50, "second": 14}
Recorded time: {"hour": 6, "minute": 16, "second": 58}
